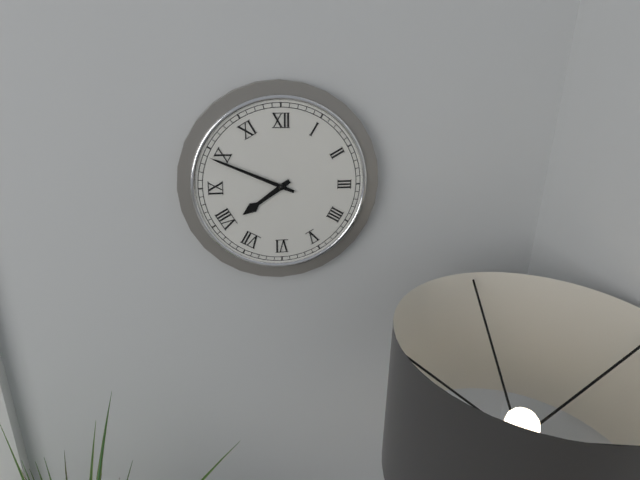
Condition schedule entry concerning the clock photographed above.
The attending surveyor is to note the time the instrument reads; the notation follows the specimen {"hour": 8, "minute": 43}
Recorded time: {"hour": 7, "minute": 49}
